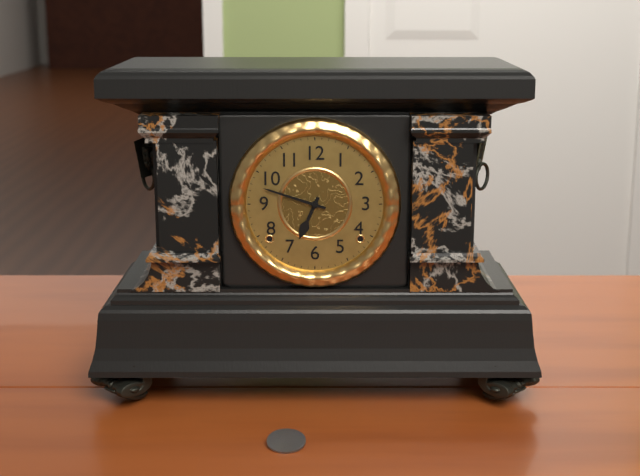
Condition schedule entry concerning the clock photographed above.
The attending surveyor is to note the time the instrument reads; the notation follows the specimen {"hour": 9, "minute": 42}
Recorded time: {"hour": 6, "minute": 48}
